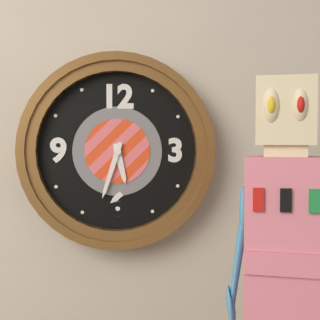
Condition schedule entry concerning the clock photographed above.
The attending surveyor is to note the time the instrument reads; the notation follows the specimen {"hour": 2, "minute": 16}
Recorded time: {"hour": 5, "minute": 33}
